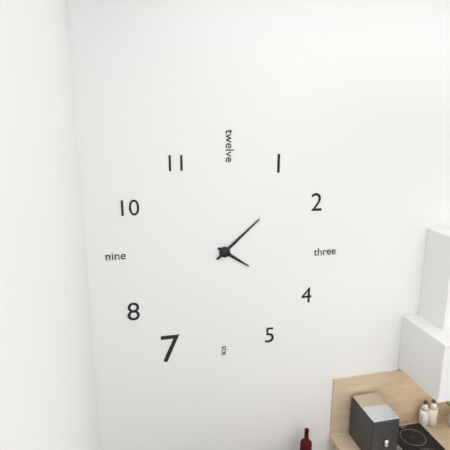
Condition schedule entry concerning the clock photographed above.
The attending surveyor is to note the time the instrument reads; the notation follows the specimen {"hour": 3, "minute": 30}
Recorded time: {"hour": 4, "minute": 8}
